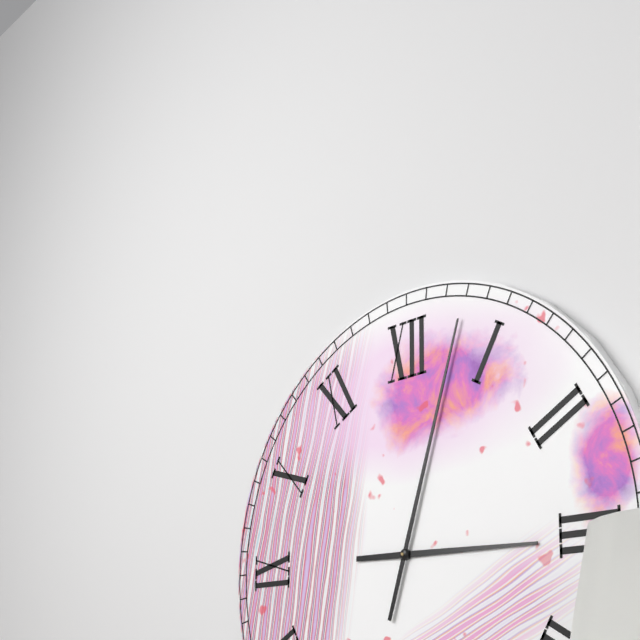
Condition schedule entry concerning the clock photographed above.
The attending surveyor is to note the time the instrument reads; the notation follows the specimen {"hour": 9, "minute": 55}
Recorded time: {"hour": 3, "minute": 3}
